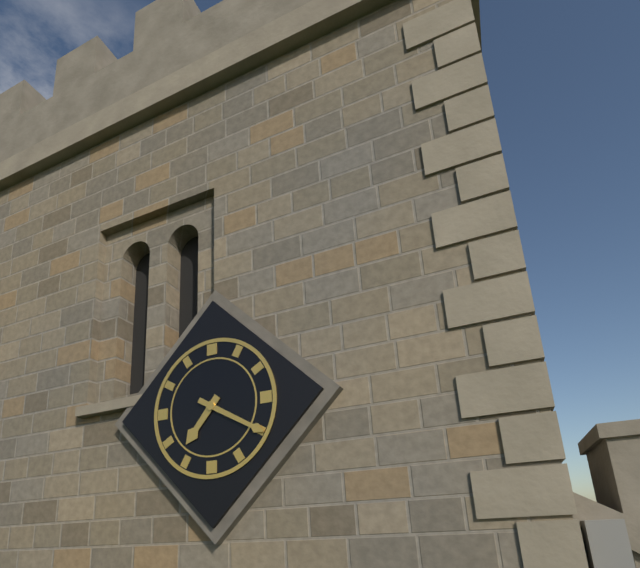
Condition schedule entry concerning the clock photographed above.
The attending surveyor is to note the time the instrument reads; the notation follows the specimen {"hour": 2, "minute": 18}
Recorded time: {"hour": 7, "minute": 20}
